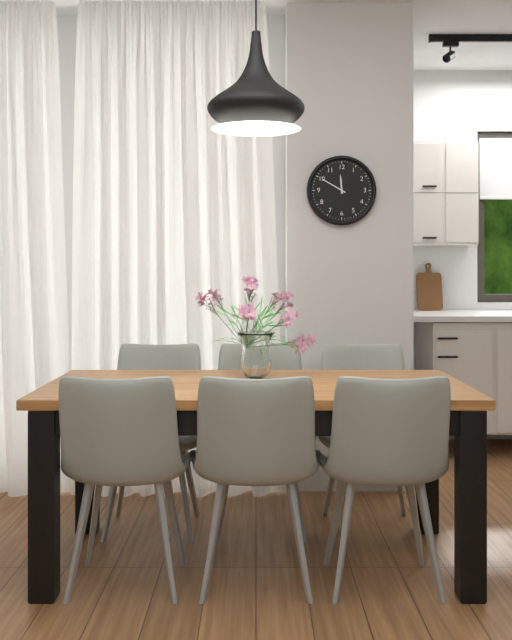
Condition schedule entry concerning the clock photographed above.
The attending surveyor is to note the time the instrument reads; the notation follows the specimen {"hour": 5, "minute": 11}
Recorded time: {"hour": 11, "minute": 50}
